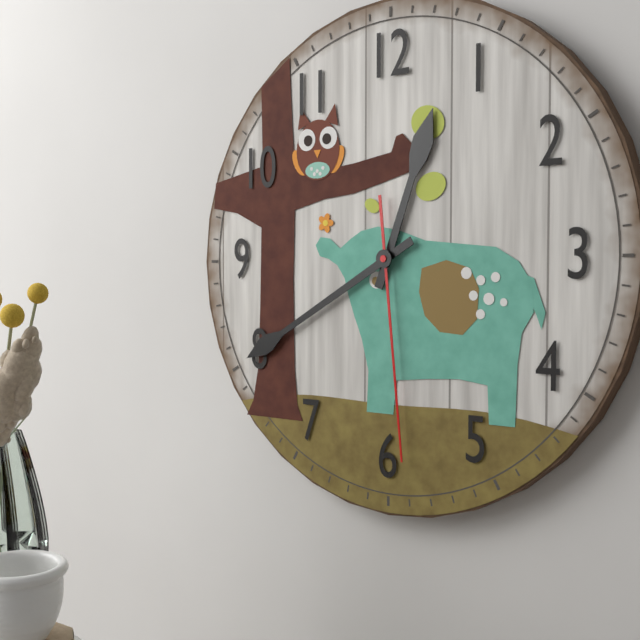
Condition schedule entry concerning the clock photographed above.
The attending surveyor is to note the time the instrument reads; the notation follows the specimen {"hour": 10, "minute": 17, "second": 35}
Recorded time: {"hour": 12, "minute": 40, "second": 29}
